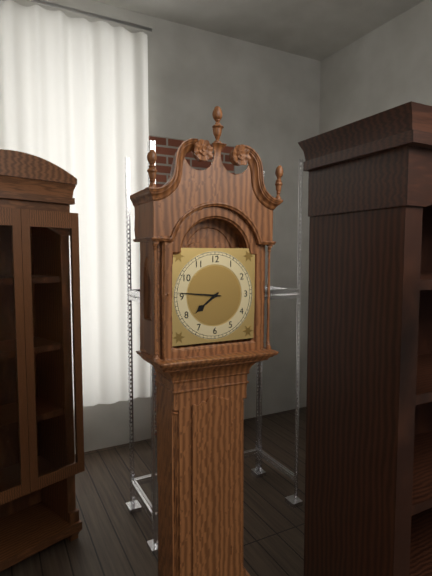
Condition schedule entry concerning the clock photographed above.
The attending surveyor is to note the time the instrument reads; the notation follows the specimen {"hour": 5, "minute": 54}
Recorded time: {"hour": 7, "minute": 46}
